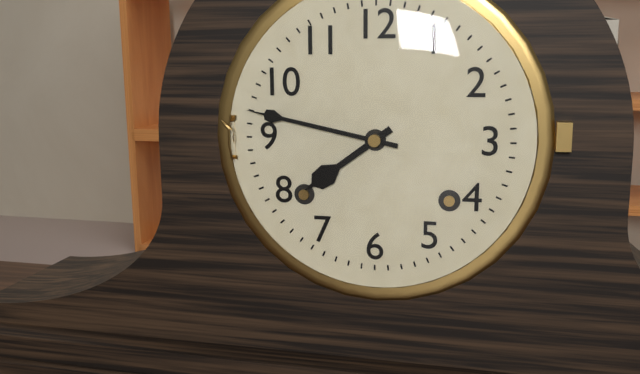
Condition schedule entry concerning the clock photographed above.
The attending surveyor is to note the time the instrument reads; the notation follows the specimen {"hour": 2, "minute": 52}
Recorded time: {"hour": 7, "minute": 47}
